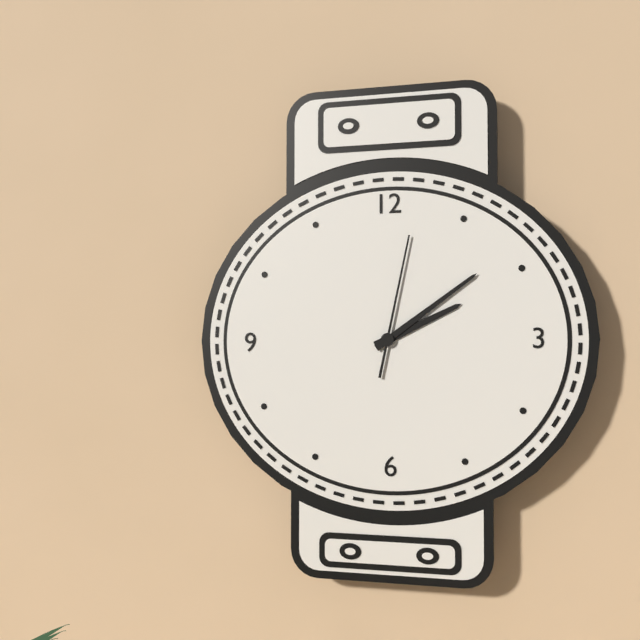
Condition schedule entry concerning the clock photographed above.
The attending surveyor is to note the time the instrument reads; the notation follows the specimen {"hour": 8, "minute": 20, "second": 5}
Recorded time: {"hour": 2, "minute": 9, "second": 2}
